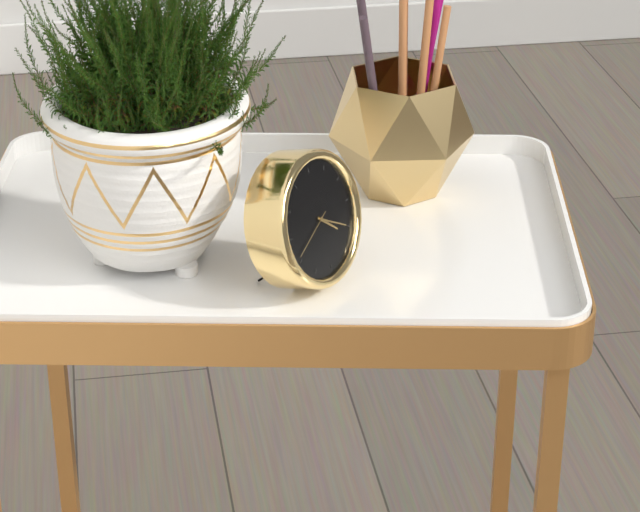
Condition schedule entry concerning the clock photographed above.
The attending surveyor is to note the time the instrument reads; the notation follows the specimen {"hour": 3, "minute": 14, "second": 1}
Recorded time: {"hour": 4, "minute": 20, "second": 41}
